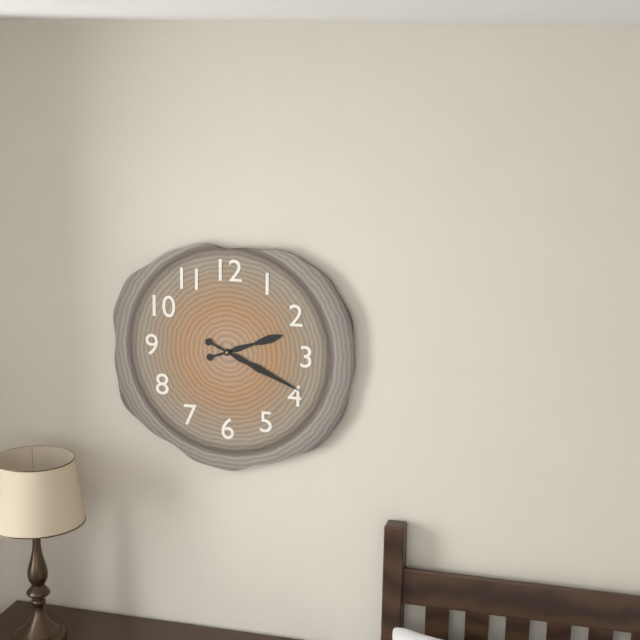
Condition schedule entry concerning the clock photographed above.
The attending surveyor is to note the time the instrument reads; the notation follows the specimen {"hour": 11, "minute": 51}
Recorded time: {"hour": 2, "minute": 19}
